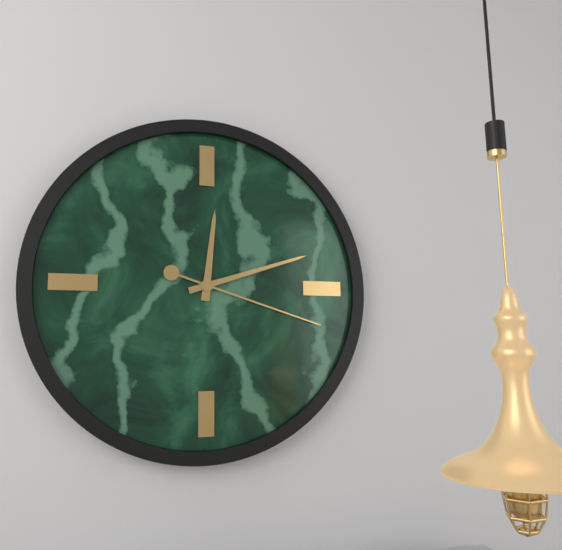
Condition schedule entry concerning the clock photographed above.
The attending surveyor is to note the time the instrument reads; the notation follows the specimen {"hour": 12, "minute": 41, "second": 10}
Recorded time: {"hour": 12, "minute": 12, "second": 18}
